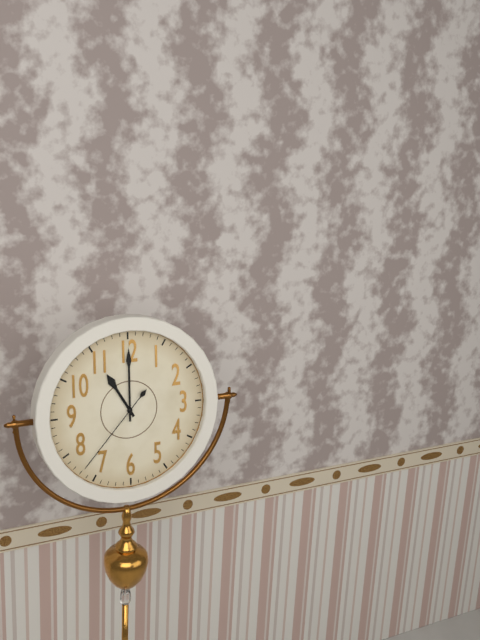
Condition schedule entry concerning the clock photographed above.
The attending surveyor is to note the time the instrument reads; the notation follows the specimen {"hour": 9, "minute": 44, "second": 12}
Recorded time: {"hour": 11, "minute": 0, "second": 37}
